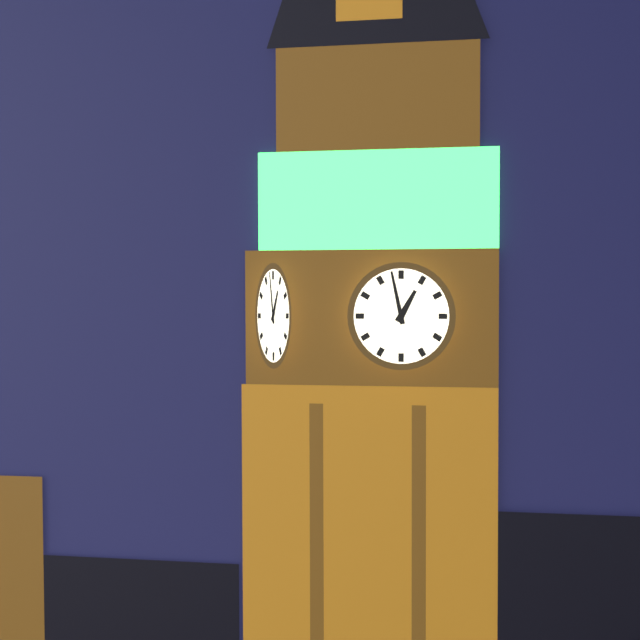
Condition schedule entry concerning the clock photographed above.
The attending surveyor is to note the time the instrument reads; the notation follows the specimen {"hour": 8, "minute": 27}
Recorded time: {"hour": 12, "minute": 58}
